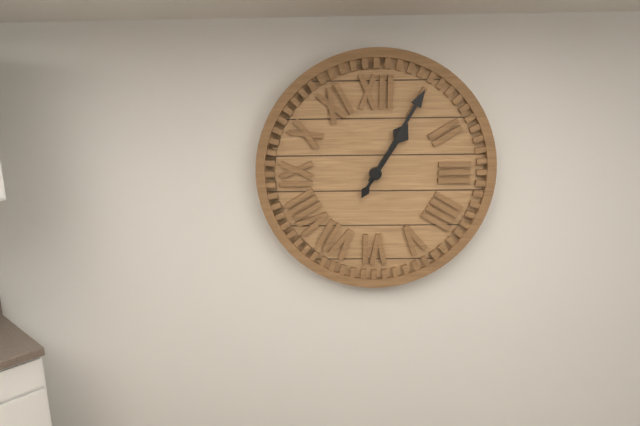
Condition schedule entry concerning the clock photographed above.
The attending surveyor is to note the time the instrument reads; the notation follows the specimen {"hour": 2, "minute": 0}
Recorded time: {"hour": 1, "minute": 5}
